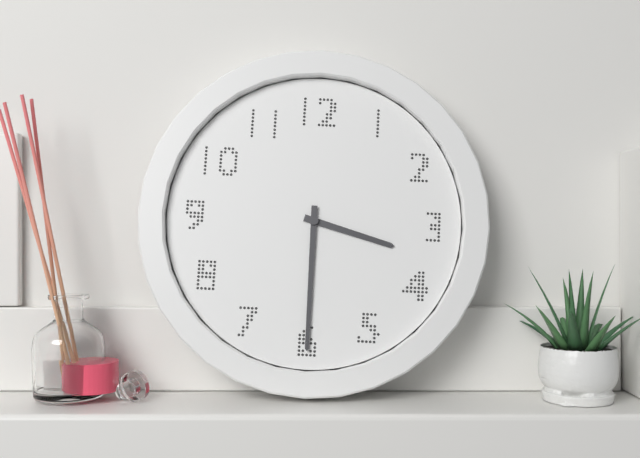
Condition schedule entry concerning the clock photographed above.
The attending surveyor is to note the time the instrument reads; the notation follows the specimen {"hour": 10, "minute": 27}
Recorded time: {"hour": 3, "minute": 30}
